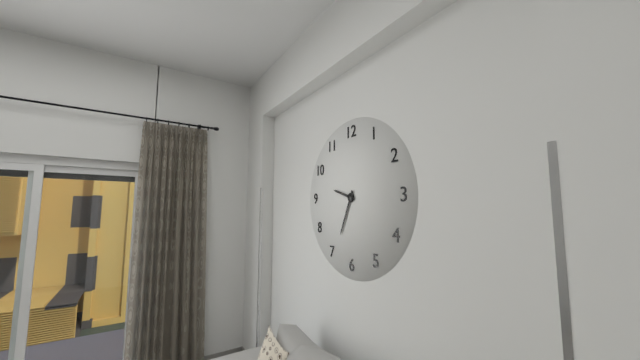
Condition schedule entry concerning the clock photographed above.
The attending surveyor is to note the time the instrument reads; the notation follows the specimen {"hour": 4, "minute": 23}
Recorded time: {"hour": 9, "minute": 34}
